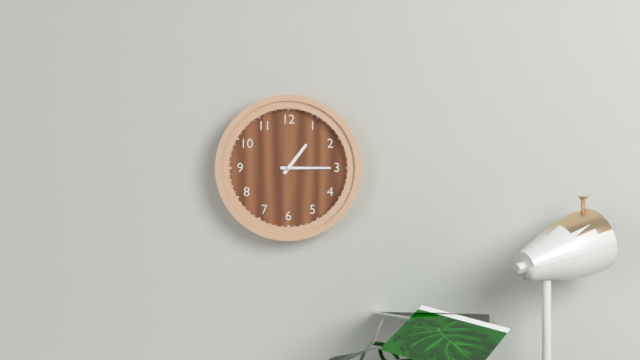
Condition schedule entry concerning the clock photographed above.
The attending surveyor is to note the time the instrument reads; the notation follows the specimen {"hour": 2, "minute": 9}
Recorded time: {"hour": 1, "minute": 15}
